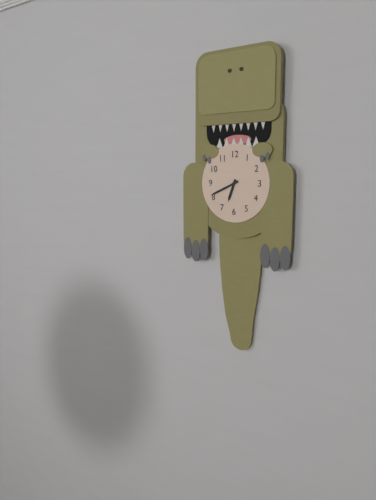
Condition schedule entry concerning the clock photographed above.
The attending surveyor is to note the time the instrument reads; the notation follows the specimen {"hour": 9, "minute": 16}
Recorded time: {"hour": 6, "minute": 41}
